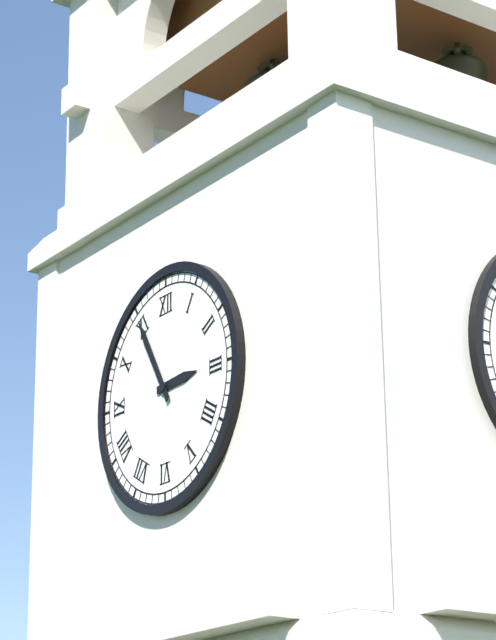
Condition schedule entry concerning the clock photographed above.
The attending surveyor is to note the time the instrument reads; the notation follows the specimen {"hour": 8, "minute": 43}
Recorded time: {"hour": 2, "minute": 55}
